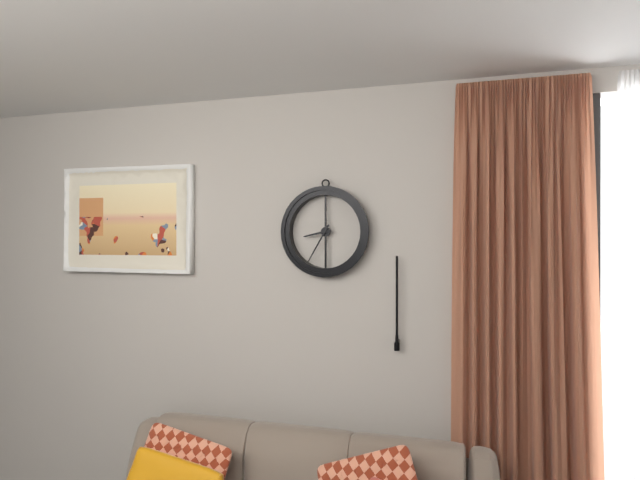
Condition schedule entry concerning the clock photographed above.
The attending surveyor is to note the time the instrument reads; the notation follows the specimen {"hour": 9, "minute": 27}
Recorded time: {"hour": 8, "minute": 35}
